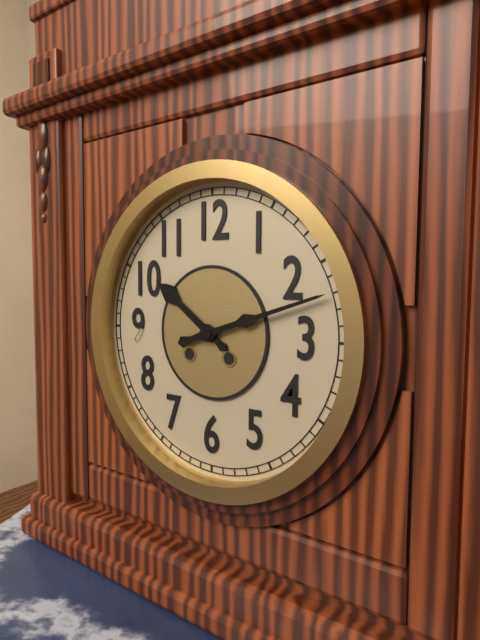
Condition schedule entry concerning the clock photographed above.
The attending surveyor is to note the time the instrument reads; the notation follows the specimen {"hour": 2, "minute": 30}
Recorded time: {"hour": 10, "minute": 12}
